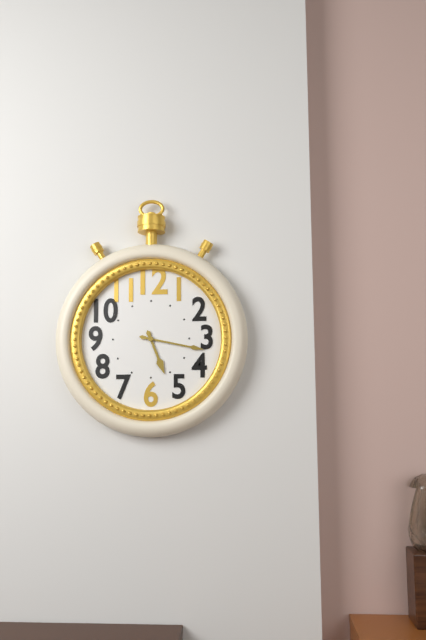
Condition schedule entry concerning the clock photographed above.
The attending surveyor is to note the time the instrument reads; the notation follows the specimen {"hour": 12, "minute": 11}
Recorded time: {"hour": 5, "minute": 17}
